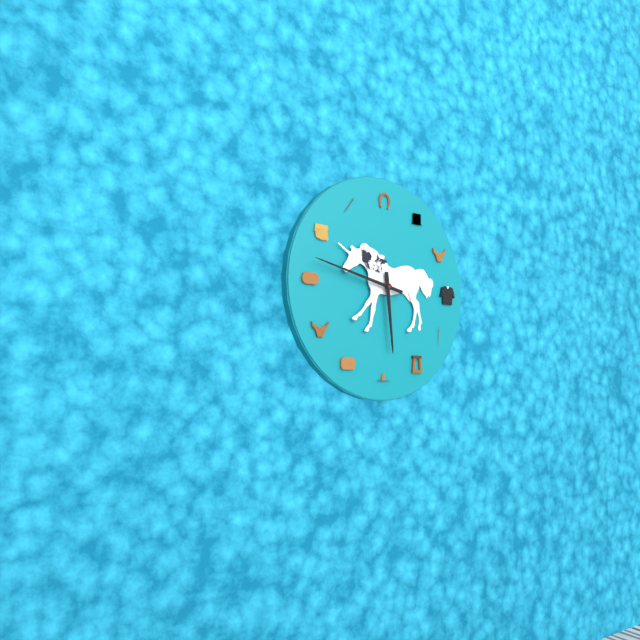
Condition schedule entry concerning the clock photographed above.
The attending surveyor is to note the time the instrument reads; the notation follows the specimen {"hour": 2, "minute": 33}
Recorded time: {"hour": 5, "minute": 47}
